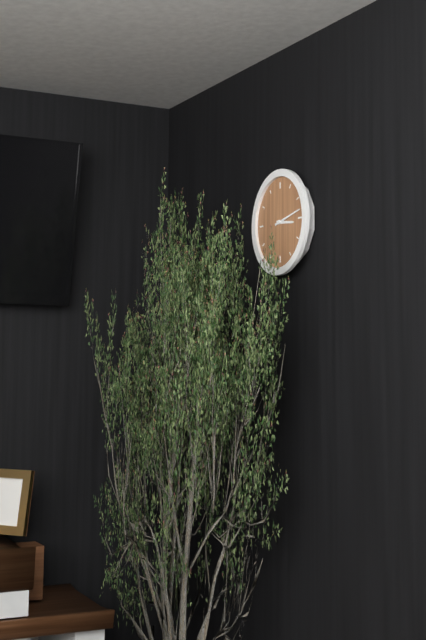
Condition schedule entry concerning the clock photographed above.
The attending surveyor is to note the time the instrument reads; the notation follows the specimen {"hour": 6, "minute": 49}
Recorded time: {"hour": 3, "minute": 13}
